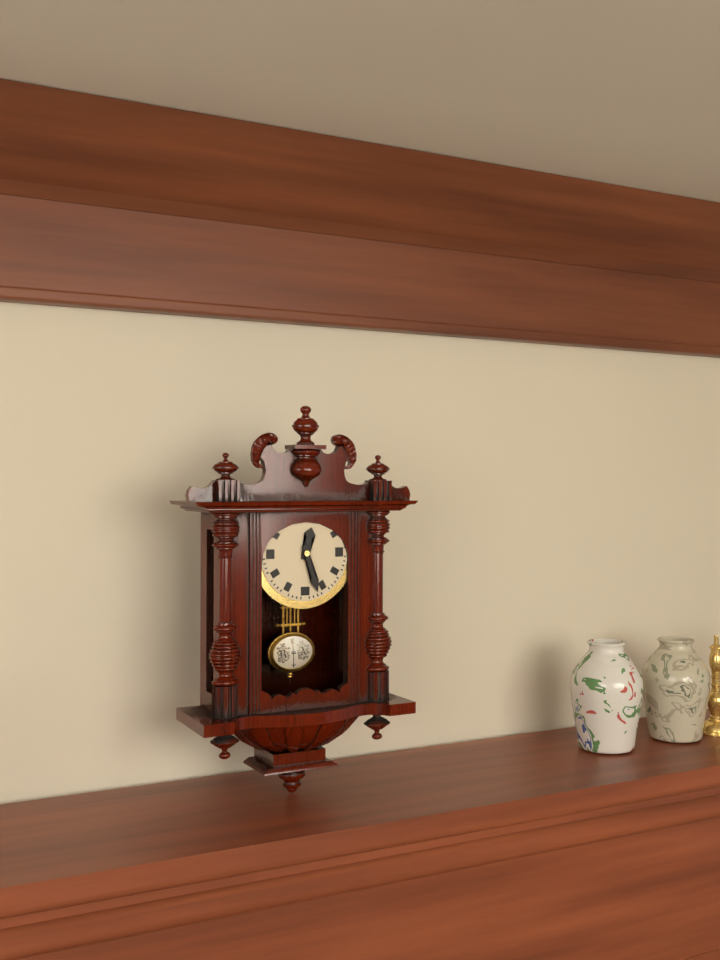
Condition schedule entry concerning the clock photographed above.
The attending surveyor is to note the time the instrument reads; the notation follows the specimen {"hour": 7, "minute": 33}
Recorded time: {"hour": 12, "minute": 27}
